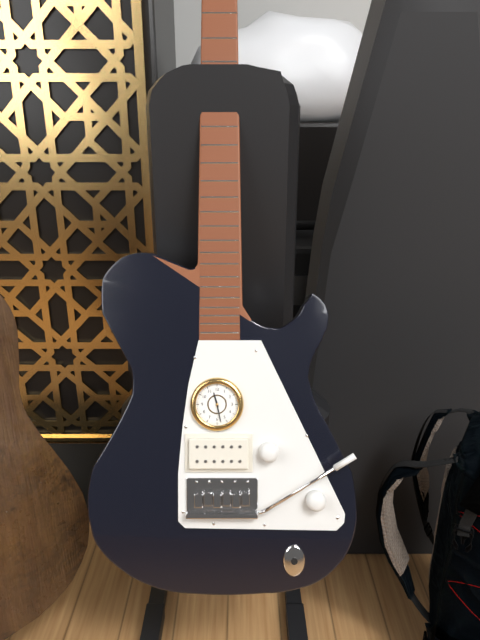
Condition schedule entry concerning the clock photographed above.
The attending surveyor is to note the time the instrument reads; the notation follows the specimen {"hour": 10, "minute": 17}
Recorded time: {"hour": 11, "minute": 28}
